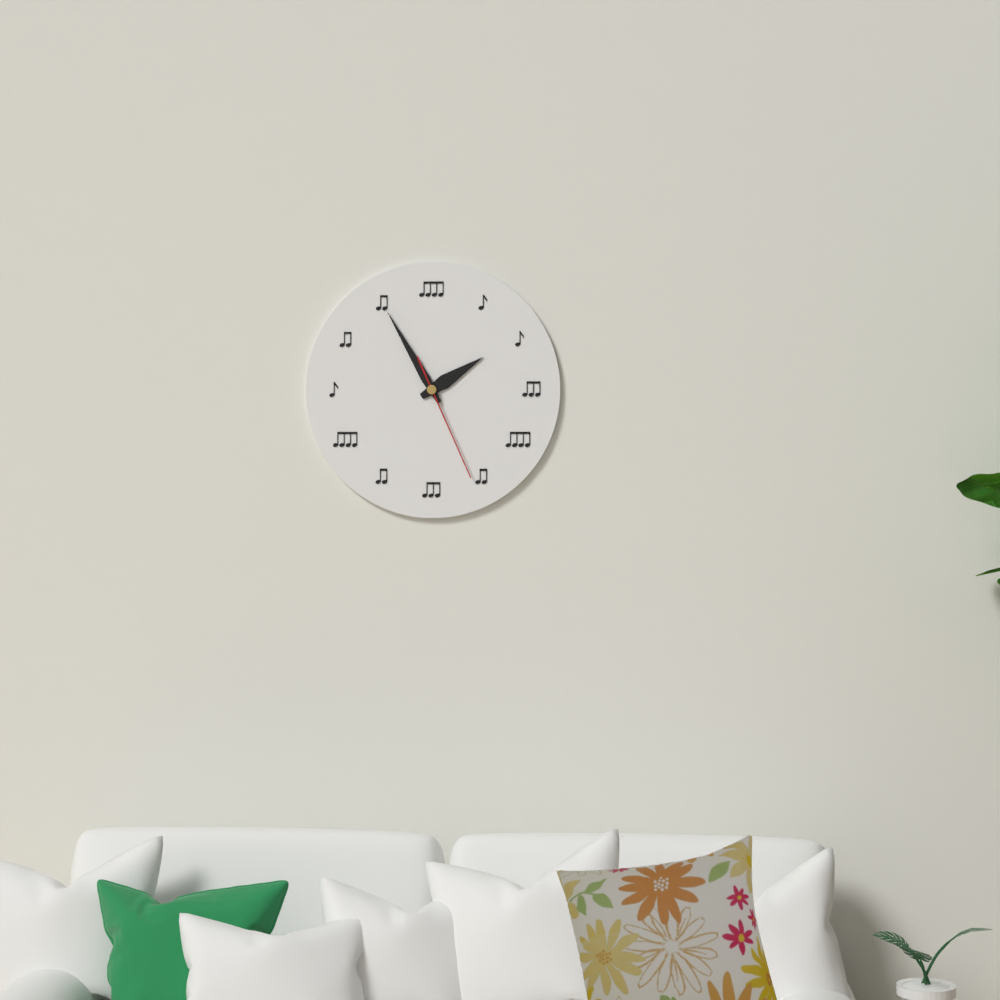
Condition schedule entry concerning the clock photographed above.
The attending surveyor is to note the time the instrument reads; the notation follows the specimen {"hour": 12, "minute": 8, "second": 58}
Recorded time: {"hour": 1, "minute": 55, "second": 26}
